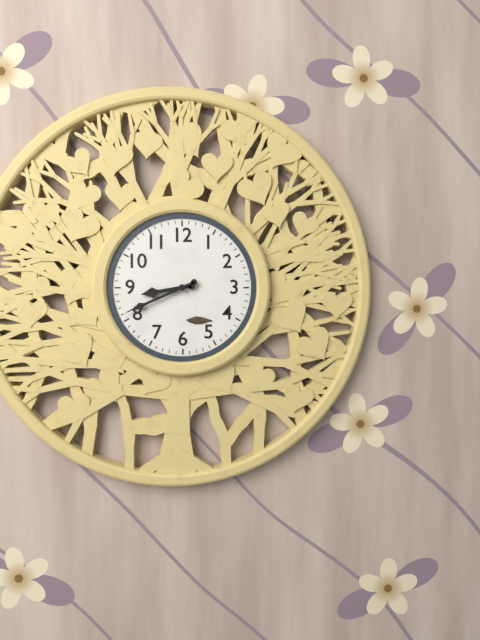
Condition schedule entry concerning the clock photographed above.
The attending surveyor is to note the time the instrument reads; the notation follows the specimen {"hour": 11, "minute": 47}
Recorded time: {"hour": 8, "minute": 41}
